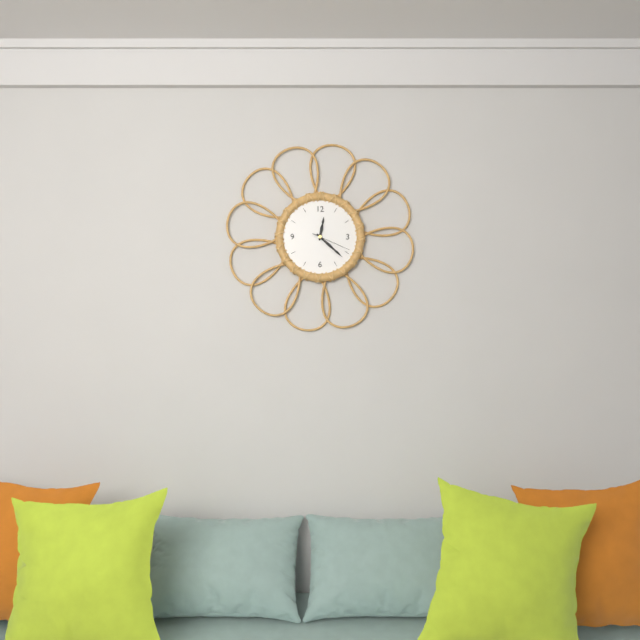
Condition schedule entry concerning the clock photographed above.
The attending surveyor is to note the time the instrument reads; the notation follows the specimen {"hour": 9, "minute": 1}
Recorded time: {"hour": 12, "minute": 22}
